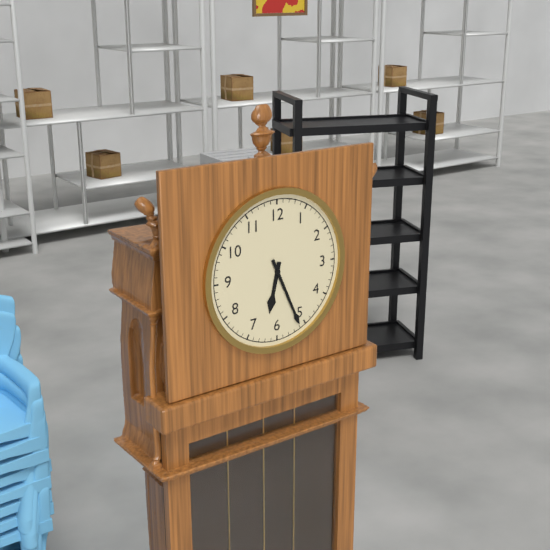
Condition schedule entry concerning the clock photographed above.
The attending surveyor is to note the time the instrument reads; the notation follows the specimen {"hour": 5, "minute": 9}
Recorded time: {"hour": 6, "minute": 26}
